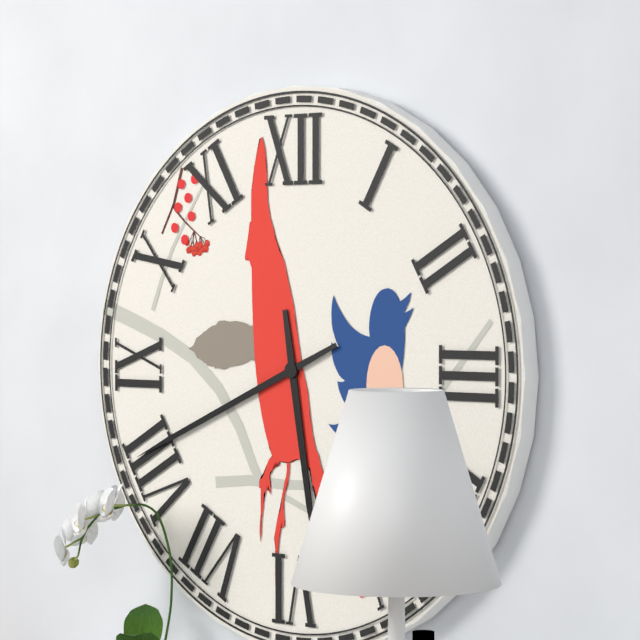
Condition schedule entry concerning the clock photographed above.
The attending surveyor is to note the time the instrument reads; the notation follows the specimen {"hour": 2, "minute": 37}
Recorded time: {"hour": 5, "minute": 41}
